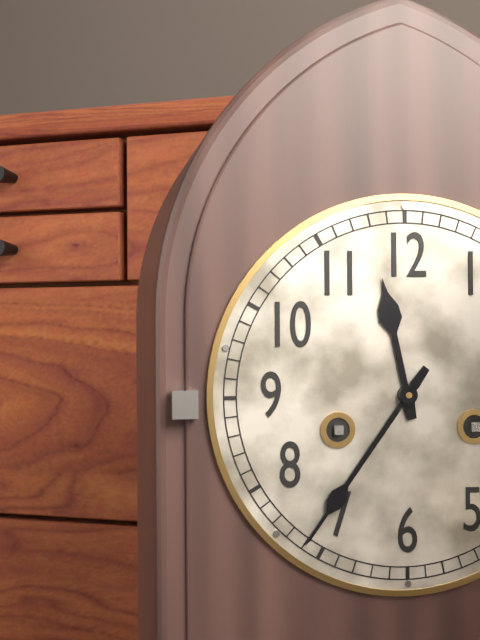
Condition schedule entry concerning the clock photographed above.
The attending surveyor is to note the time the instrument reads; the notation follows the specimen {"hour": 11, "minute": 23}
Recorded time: {"hour": 11, "minute": 36}
